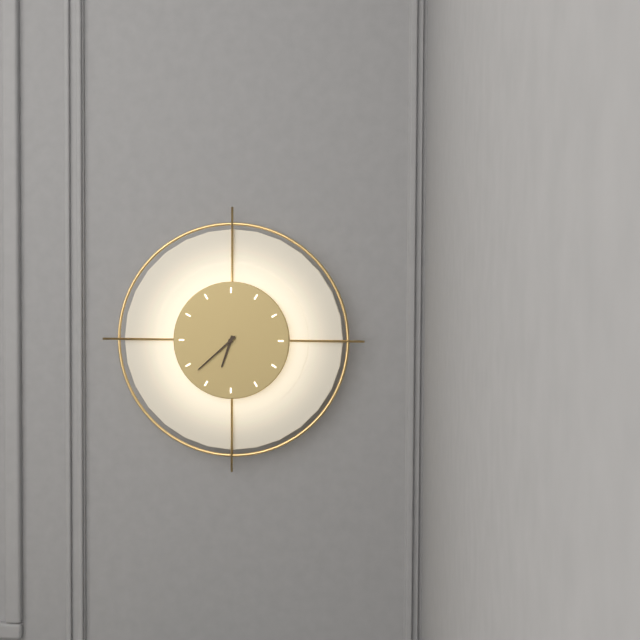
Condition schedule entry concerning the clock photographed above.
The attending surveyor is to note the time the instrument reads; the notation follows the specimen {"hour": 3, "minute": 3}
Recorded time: {"hour": 6, "minute": 38}
